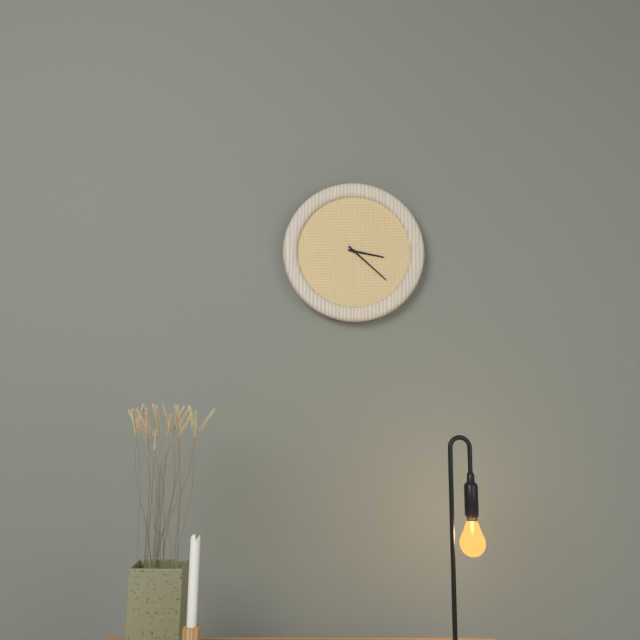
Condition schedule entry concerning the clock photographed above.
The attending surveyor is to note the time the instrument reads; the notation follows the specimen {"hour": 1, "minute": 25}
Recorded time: {"hour": 3, "minute": 22}
